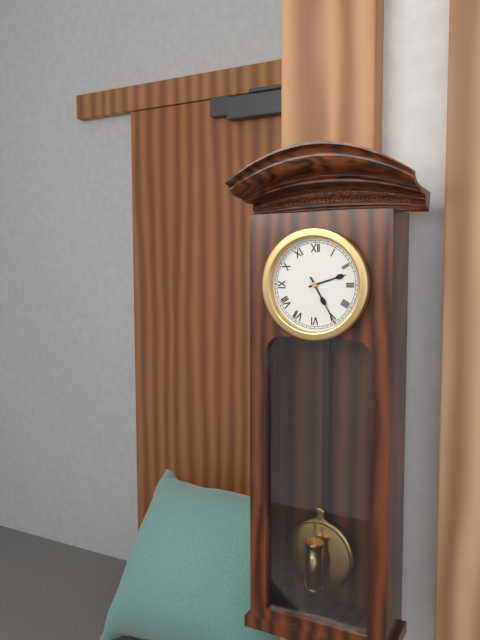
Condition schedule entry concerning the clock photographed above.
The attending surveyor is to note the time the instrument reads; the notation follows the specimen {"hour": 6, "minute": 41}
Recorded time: {"hour": 2, "minute": 25}
